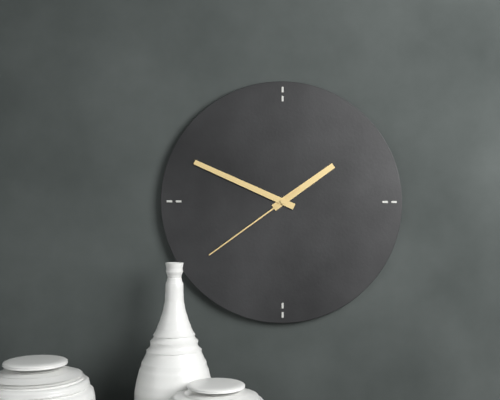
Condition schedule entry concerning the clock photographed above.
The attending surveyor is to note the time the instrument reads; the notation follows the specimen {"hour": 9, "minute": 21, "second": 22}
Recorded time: {"hour": 1, "minute": 49, "second": 39}
